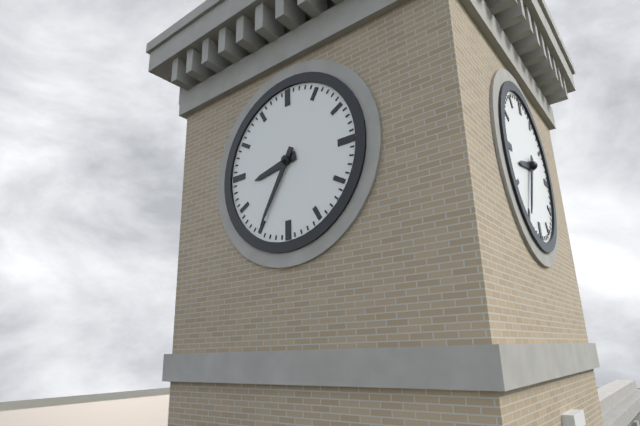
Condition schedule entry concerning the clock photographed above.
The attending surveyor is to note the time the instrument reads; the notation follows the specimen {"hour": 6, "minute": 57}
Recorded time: {"hour": 8, "minute": 35}
